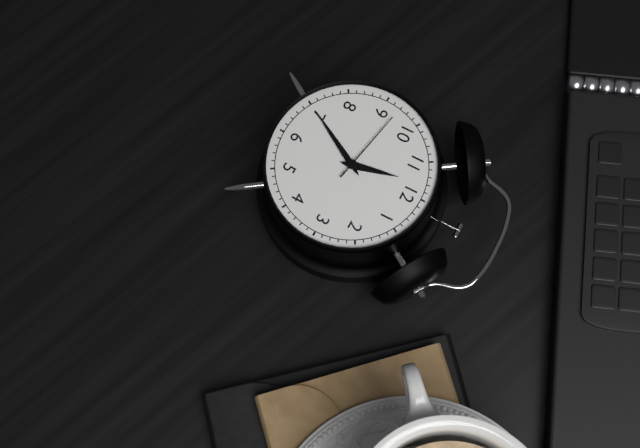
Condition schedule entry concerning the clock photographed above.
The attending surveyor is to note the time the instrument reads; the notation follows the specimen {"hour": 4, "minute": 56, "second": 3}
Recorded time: {"hour": 11, "minute": 35, "second": 47}
